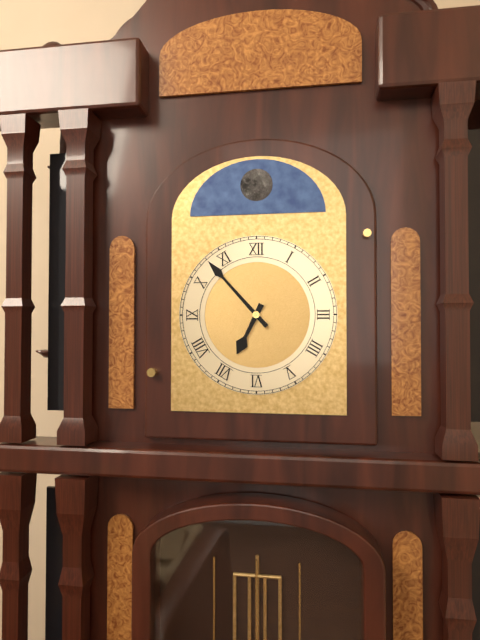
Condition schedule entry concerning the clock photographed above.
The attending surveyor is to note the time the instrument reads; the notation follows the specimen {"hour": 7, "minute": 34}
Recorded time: {"hour": 6, "minute": 53}
